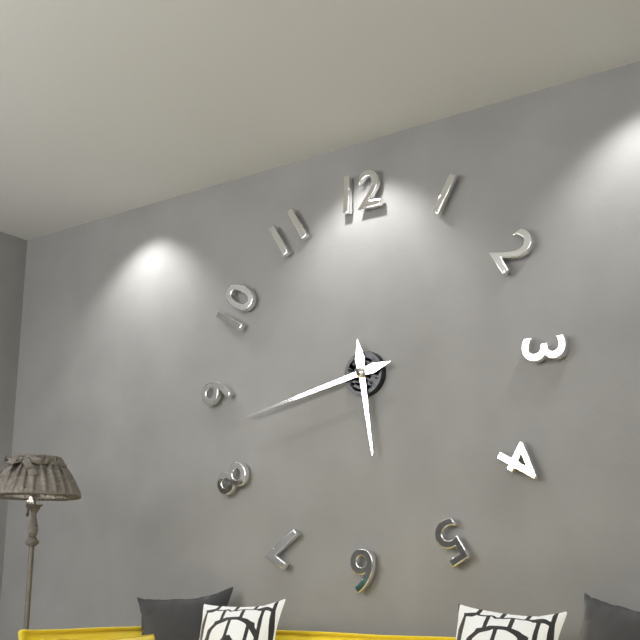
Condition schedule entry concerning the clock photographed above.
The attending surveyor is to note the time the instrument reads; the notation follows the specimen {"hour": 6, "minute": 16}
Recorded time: {"hour": 5, "minute": 43}
